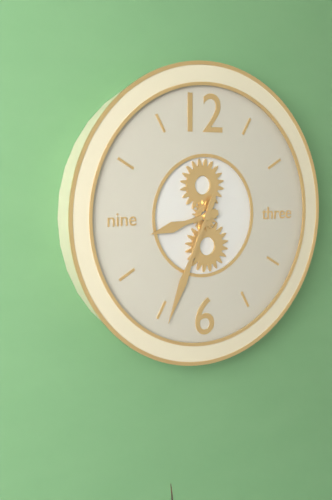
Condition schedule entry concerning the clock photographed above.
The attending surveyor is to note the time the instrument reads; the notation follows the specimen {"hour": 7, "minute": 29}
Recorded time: {"hour": 8, "minute": 34}
